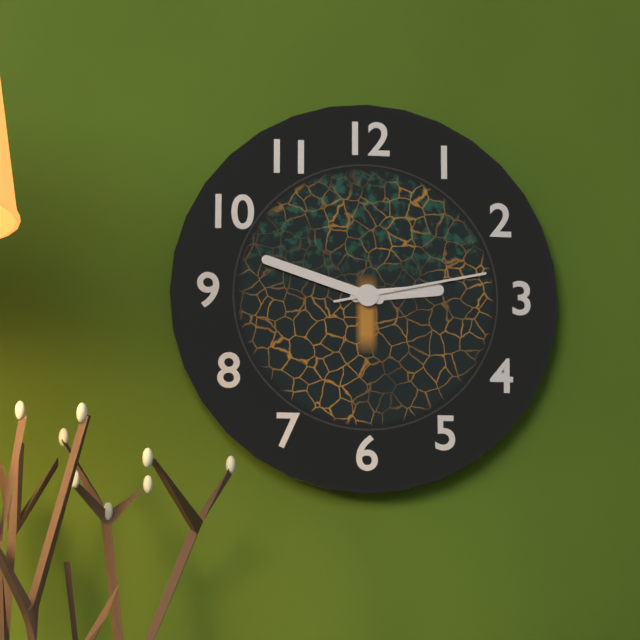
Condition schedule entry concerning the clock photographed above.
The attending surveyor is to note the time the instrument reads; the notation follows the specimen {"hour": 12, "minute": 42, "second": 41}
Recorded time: {"hour": 2, "minute": 48, "second": 13}
